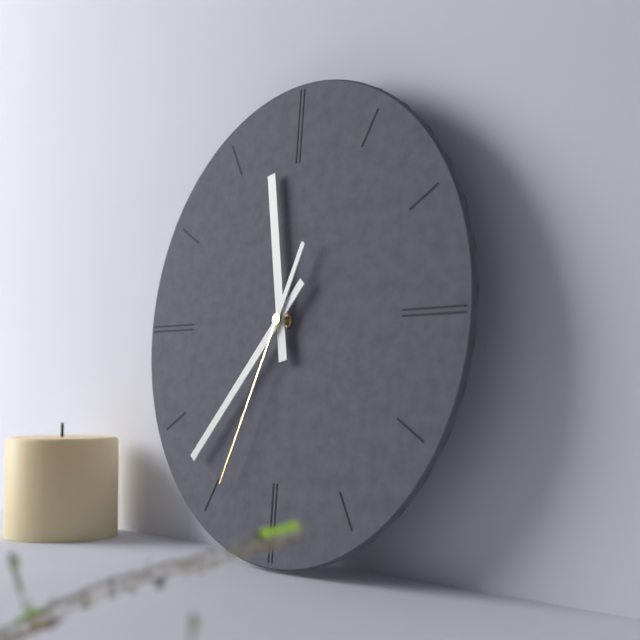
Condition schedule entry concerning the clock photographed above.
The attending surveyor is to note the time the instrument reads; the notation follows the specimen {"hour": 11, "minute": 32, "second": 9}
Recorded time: {"hour": 11, "minute": 37, "second": 34}
